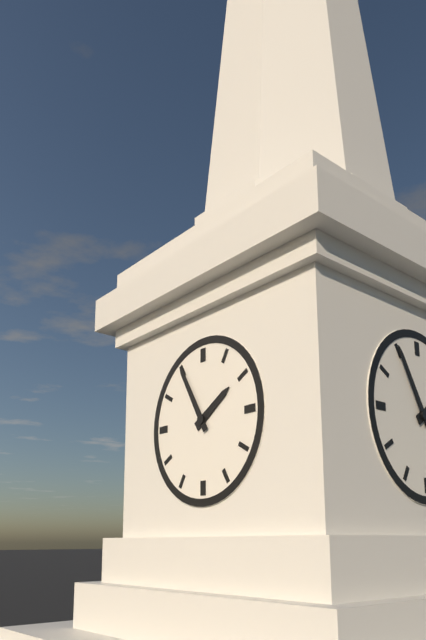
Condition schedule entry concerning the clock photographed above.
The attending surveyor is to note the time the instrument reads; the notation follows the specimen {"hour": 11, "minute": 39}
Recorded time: {"hour": 1, "minute": 55}
